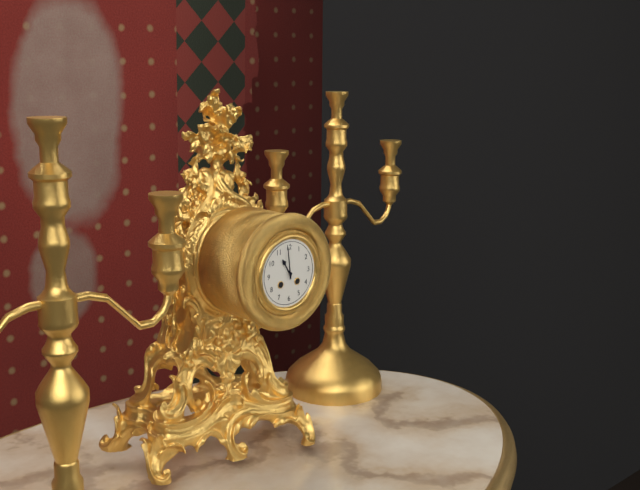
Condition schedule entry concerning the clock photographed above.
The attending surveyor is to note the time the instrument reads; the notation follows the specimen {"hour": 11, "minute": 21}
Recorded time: {"hour": 10, "minute": 59}
